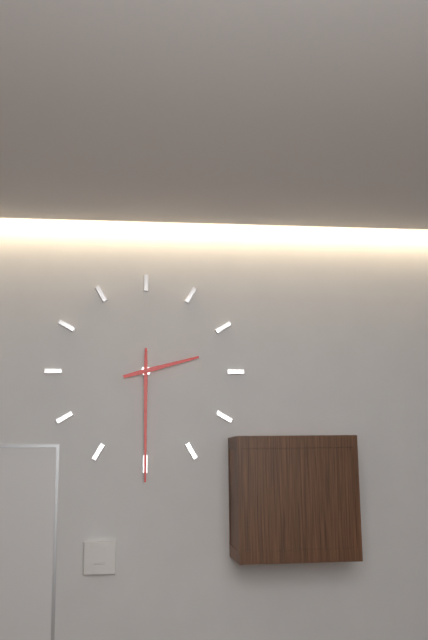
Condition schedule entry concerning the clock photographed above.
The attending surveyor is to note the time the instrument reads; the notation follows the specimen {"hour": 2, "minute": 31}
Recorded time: {"hour": 2, "minute": 30}
